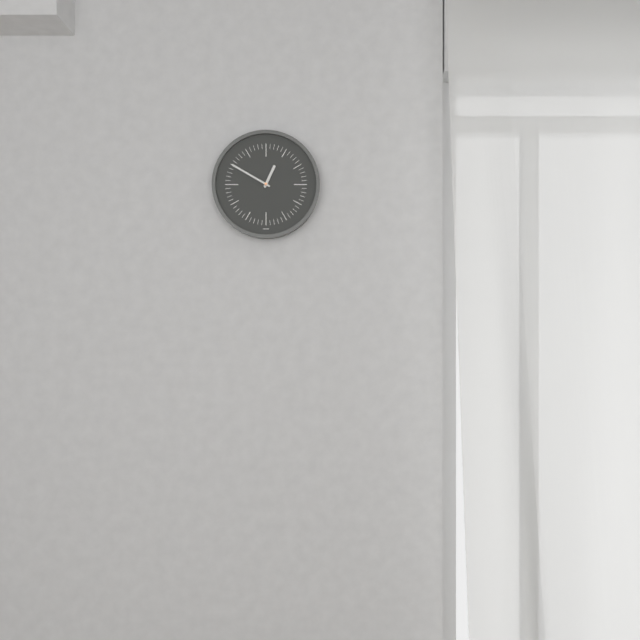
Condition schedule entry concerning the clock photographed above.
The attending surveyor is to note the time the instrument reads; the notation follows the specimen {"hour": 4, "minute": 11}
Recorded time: {"hour": 12, "minute": 50}
